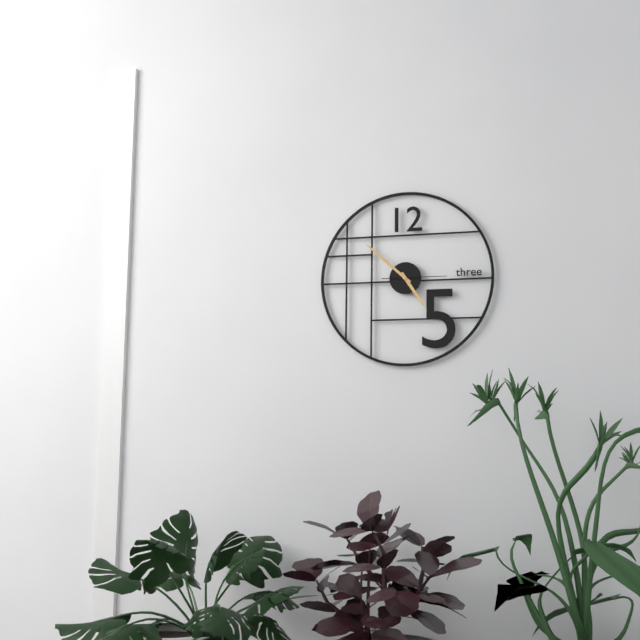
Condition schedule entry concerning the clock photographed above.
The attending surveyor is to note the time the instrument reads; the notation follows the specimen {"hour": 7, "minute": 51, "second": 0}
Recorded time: {"hour": 4, "minute": 52, "second": 15}
